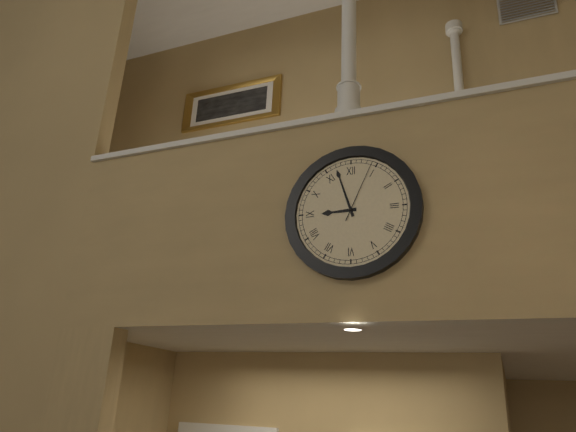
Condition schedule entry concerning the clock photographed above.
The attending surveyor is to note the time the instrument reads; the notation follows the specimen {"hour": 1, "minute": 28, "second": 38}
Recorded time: {"hour": 8, "minute": 57, "second": 4}
